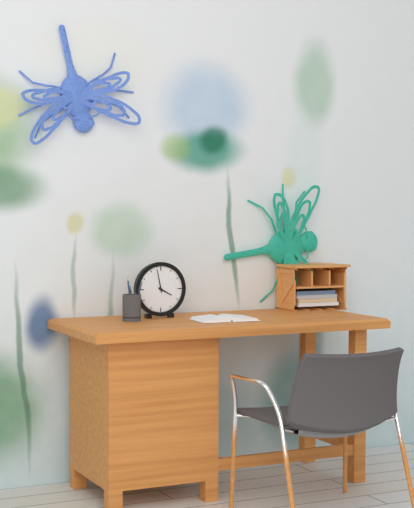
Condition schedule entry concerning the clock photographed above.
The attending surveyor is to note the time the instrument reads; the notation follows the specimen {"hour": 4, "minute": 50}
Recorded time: {"hour": 3, "minute": 58}
